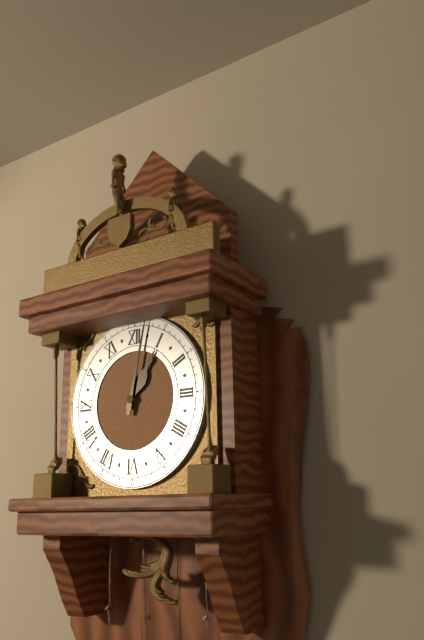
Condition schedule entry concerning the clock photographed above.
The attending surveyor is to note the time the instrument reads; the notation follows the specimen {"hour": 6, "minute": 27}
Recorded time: {"hour": 1, "minute": 2}
